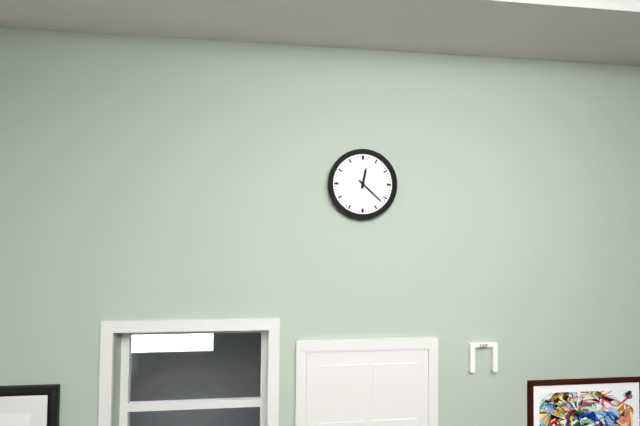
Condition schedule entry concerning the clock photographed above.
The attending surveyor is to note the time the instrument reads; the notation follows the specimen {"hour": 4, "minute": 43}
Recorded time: {"hour": 12, "minute": 22}
